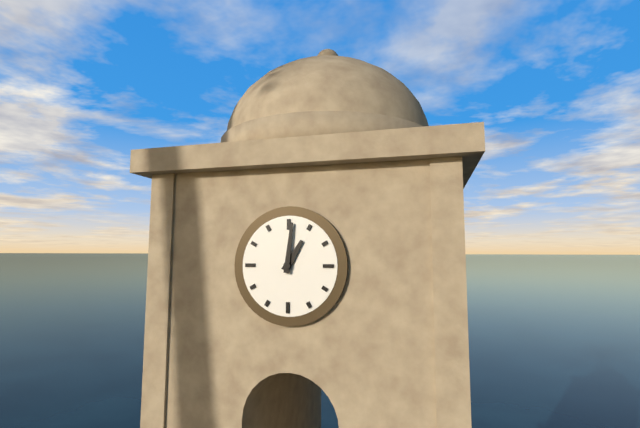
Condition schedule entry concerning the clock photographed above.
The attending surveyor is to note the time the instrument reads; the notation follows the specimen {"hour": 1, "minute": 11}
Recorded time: {"hour": 1, "minute": 1}
